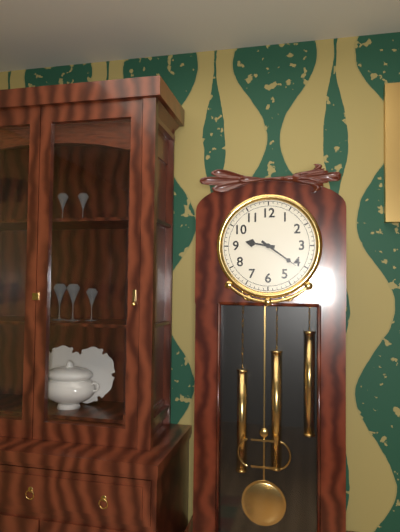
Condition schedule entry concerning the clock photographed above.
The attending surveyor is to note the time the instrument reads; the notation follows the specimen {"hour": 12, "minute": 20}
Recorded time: {"hour": 9, "minute": 21}
